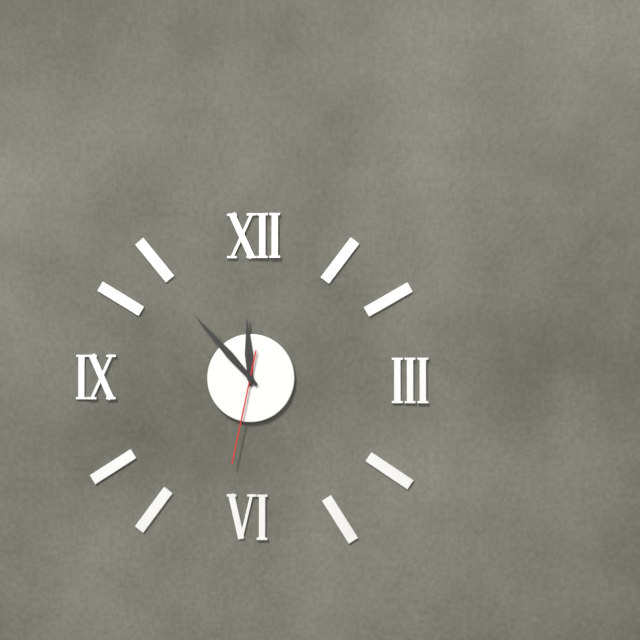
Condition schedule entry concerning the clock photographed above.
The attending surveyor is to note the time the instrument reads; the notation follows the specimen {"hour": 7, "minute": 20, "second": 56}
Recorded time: {"hour": 11, "minute": 53, "second": 32}
